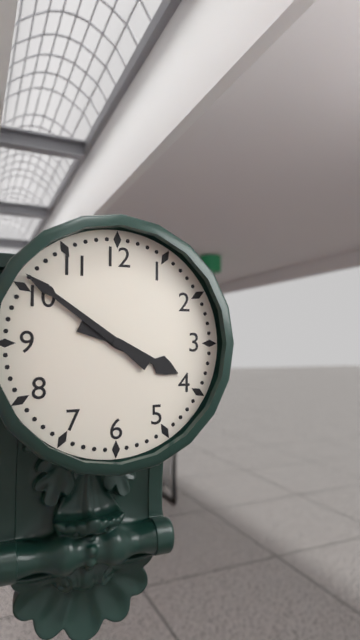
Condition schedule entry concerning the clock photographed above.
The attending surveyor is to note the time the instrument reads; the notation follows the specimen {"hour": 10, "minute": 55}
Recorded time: {"hour": 3, "minute": 51}
